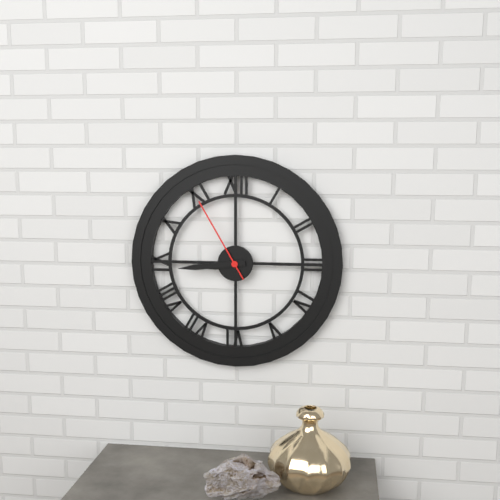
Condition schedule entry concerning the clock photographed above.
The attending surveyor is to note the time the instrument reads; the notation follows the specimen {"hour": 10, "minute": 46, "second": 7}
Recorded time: {"hour": 8, "minute": 44, "second": 55}
